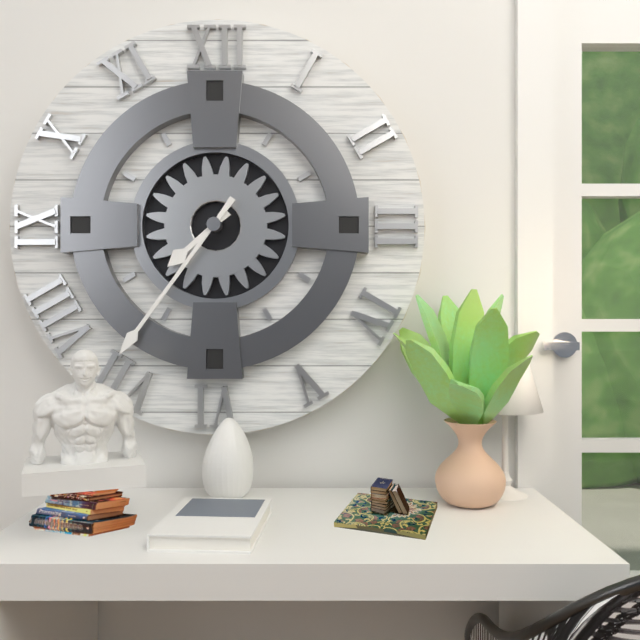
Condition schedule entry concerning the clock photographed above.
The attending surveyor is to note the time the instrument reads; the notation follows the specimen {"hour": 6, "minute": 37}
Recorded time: {"hour": 7, "minute": 36}
